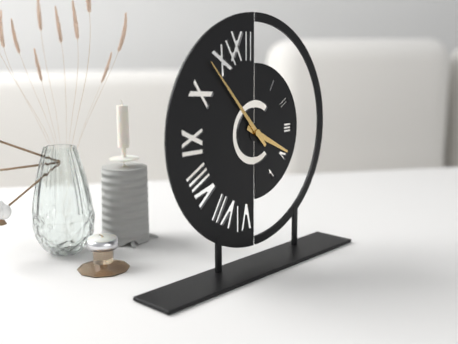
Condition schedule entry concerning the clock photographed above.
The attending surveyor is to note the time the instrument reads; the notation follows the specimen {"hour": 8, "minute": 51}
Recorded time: {"hour": 3, "minute": 53}
